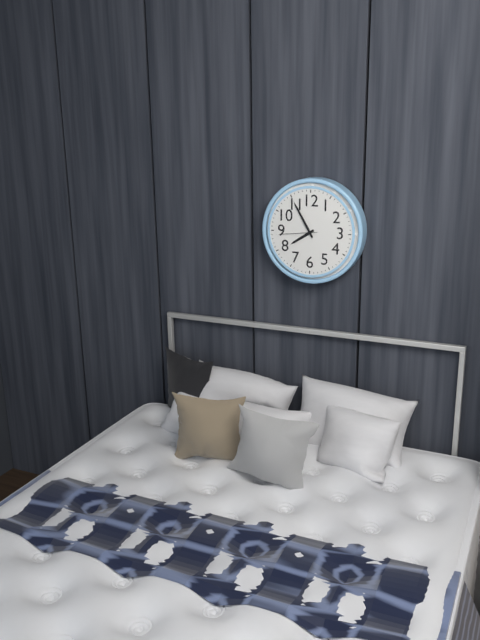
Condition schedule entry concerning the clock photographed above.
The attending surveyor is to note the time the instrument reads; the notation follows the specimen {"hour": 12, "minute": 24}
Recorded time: {"hour": 7, "minute": 55}
